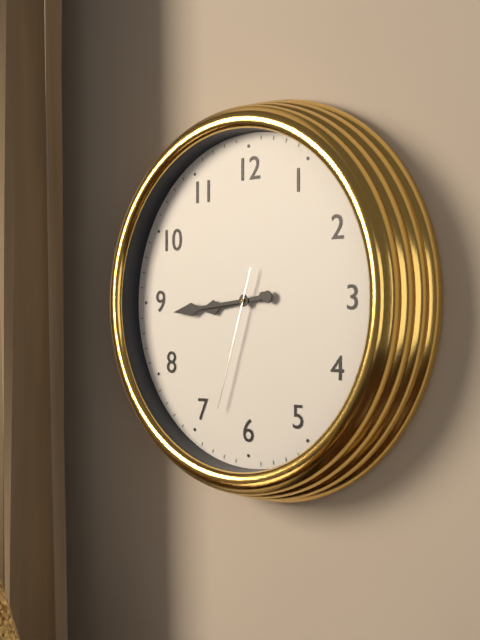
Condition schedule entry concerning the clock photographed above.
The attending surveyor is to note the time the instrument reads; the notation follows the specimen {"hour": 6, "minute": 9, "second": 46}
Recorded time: {"hour": 8, "minute": 44, "second": 33}
